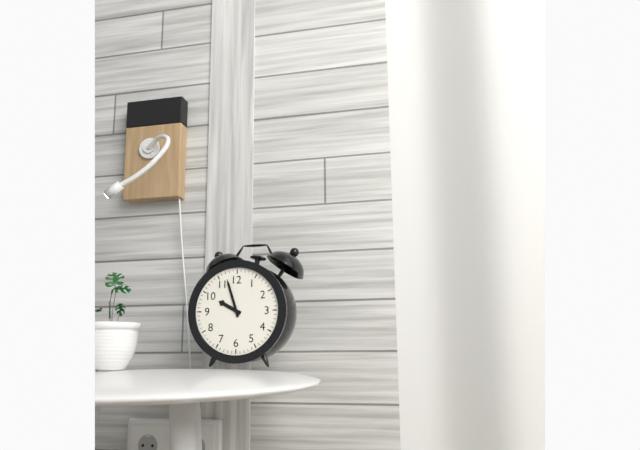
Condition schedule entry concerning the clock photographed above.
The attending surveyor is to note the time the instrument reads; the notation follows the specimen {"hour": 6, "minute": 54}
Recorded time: {"hour": 9, "minute": 57}
